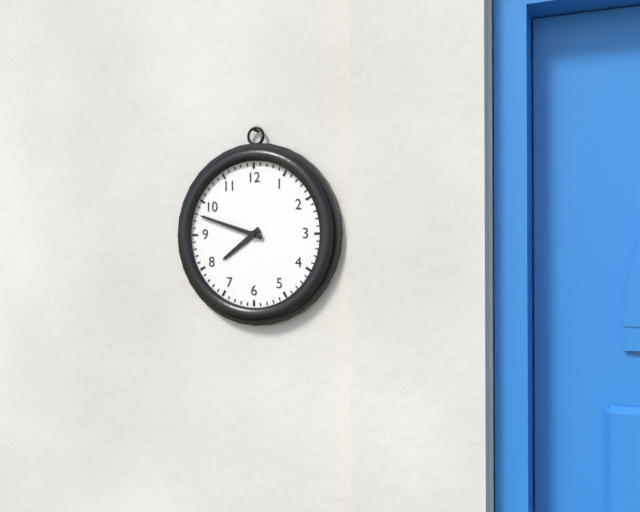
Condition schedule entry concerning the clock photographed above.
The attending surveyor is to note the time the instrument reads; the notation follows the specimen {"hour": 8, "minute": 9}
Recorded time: {"hour": 7, "minute": 48}
